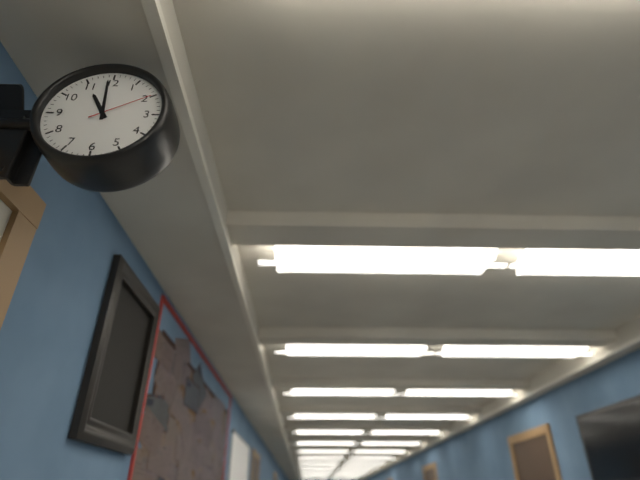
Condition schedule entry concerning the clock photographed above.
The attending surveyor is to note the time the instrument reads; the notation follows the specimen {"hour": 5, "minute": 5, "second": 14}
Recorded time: {"hour": 10, "minute": 59, "second": 10}
